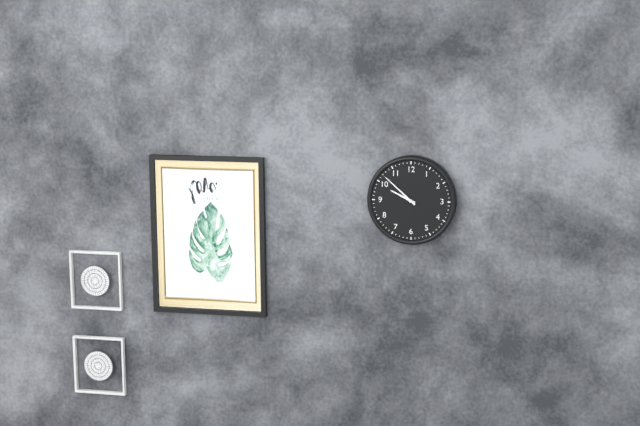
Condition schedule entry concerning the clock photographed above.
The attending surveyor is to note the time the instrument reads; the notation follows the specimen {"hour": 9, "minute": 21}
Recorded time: {"hour": 9, "minute": 52}
